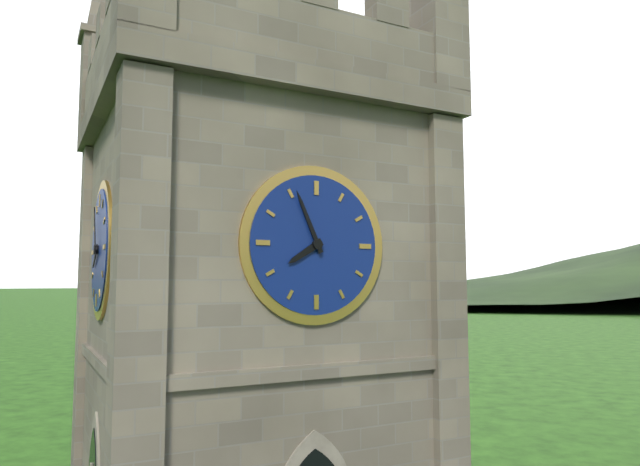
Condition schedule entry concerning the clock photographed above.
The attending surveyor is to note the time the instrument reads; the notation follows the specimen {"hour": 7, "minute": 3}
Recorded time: {"hour": 7, "minute": 56}
